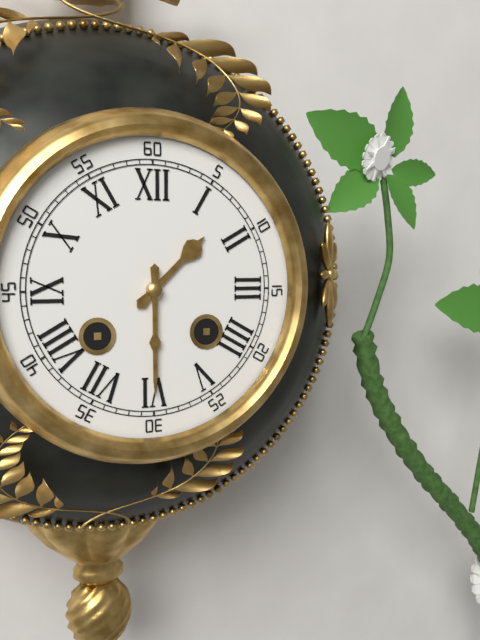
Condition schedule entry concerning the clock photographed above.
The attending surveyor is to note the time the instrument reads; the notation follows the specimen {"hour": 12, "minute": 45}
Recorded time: {"hour": 1, "minute": 30}
